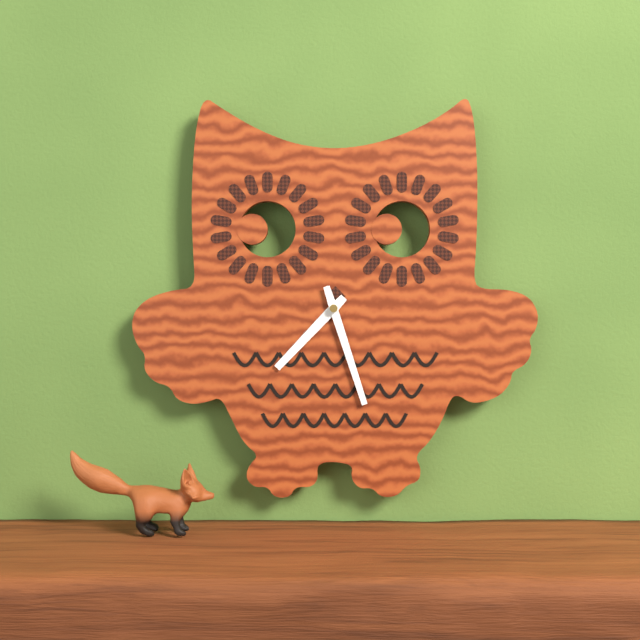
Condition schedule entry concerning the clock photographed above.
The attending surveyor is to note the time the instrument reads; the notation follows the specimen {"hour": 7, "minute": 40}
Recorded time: {"hour": 7, "minute": 27}
